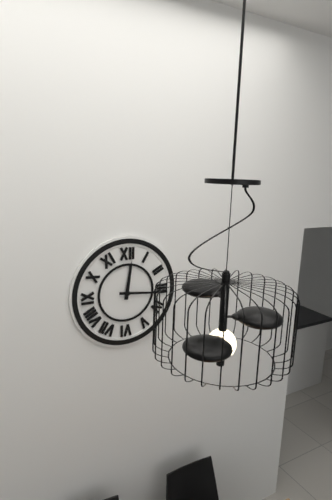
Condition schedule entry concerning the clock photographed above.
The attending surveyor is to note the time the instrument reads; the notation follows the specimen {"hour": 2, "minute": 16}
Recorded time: {"hour": 12, "minute": 16}
